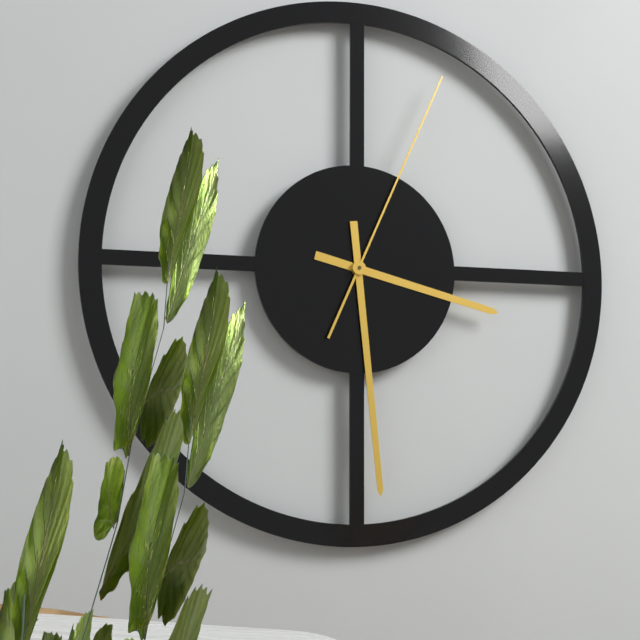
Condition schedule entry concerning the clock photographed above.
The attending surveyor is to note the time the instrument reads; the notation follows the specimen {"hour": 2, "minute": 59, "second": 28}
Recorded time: {"hour": 3, "minute": 29, "second": 4}
